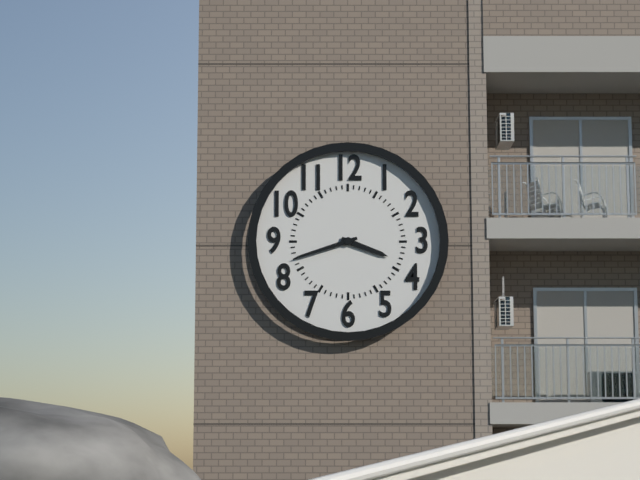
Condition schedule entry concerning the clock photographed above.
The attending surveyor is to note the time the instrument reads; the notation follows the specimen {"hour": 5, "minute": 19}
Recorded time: {"hour": 3, "minute": 42}
